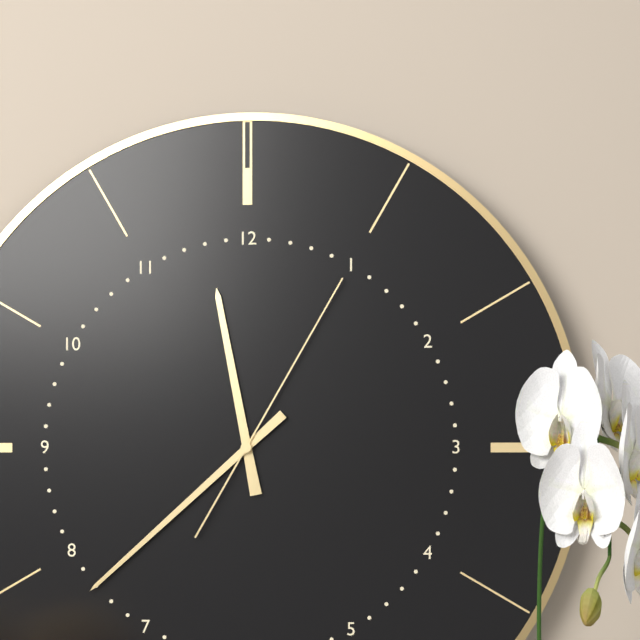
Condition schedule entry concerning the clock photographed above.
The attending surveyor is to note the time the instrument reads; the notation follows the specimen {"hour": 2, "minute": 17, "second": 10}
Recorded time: {"hour": 11, "minute": 38, "second": 5}
